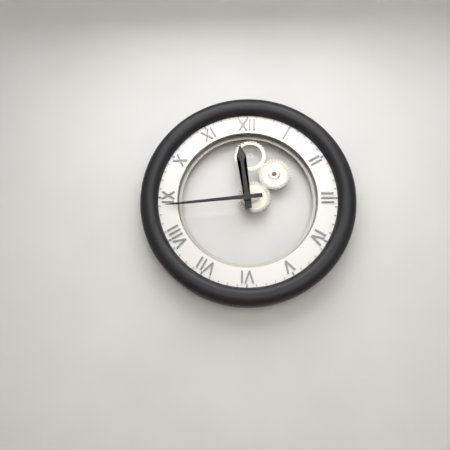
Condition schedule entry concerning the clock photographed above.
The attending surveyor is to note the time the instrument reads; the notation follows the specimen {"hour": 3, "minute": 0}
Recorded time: {"hour": 11, "minute": 44}
